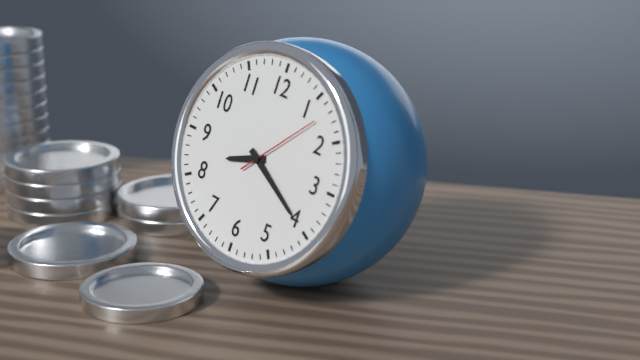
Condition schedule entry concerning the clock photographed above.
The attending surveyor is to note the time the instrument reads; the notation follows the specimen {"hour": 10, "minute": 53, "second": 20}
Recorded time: {"hour": 8, "minute": 20, "second": 7}
